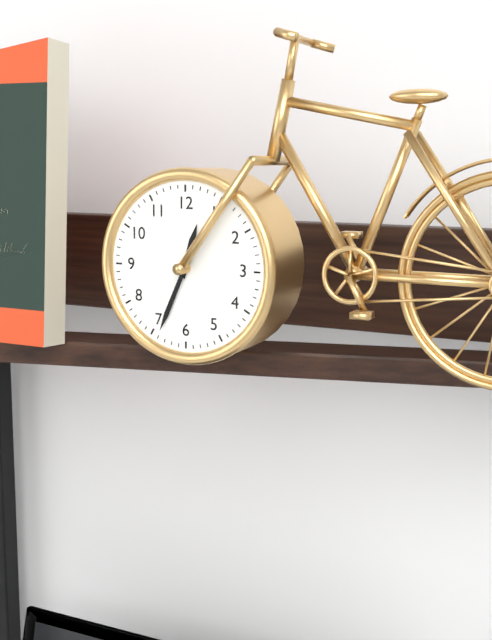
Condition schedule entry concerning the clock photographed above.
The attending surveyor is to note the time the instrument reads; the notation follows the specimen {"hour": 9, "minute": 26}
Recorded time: {"hour": 12, "minute": 34}
